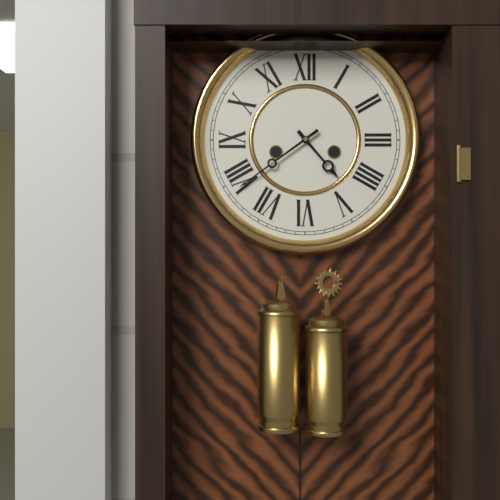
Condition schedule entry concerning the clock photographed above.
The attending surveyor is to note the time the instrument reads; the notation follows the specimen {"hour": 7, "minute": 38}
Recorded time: {"hour": 4, "minute": 39}
